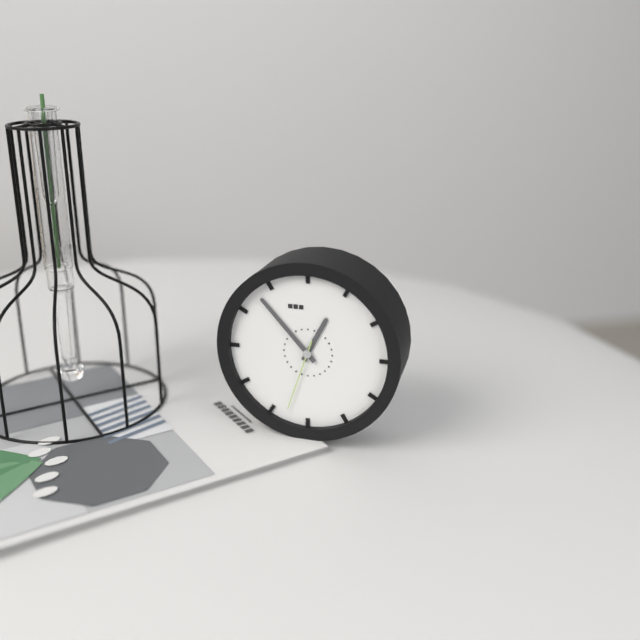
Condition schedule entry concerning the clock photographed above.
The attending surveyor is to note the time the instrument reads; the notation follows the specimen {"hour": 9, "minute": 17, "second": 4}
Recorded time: {"hour": 12, "minute": 53, "second": 33}
